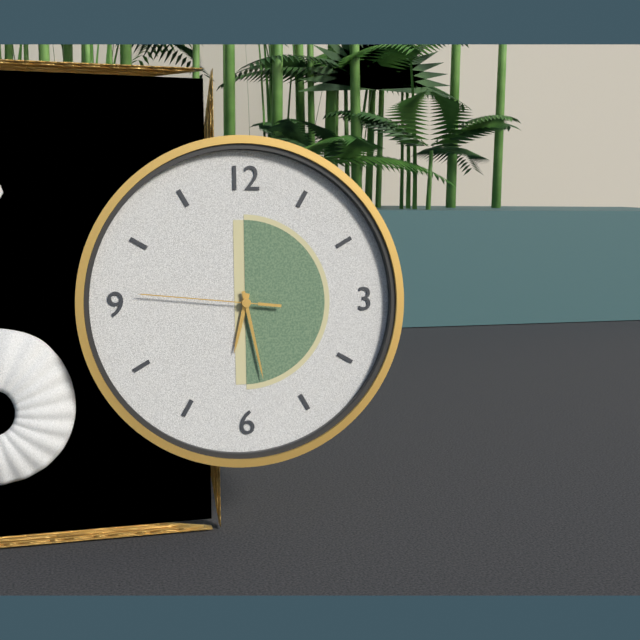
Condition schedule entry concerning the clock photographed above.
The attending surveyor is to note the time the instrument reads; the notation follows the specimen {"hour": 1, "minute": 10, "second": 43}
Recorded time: {"hour": 6, "minute": 28, "second": 46}
